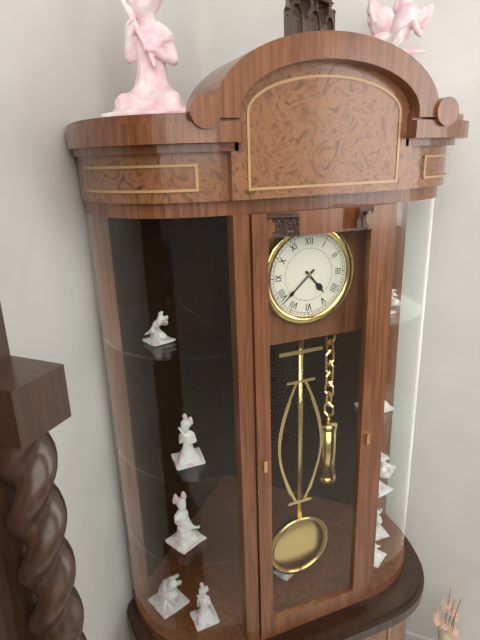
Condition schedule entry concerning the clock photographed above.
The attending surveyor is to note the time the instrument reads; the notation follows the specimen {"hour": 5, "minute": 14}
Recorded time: {"hour": 4, "minute": 38}
